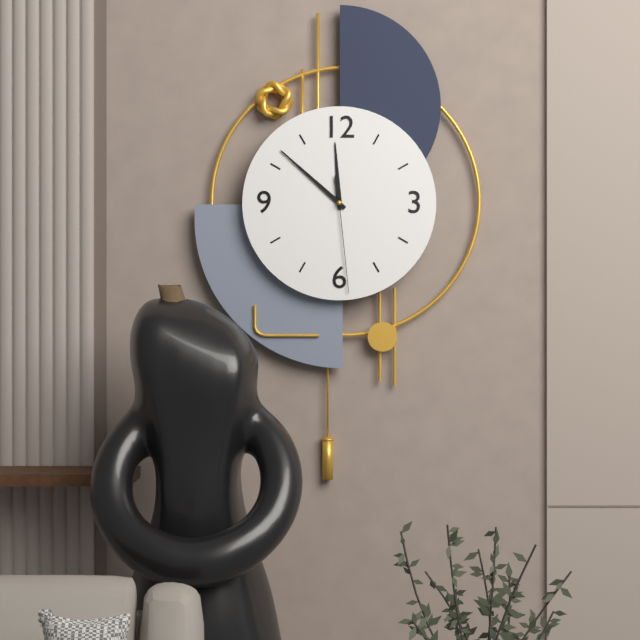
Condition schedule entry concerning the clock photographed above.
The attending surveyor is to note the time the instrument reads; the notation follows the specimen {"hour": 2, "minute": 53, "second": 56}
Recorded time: {"hour": 11, "minute": 52, "second": 29}
